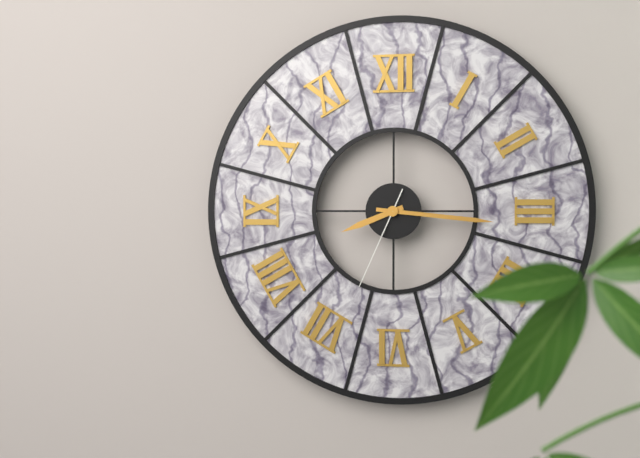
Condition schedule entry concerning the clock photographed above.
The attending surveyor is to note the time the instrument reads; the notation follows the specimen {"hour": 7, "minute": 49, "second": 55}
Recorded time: {"hour": 8, "minute": 16, "second": 34}
